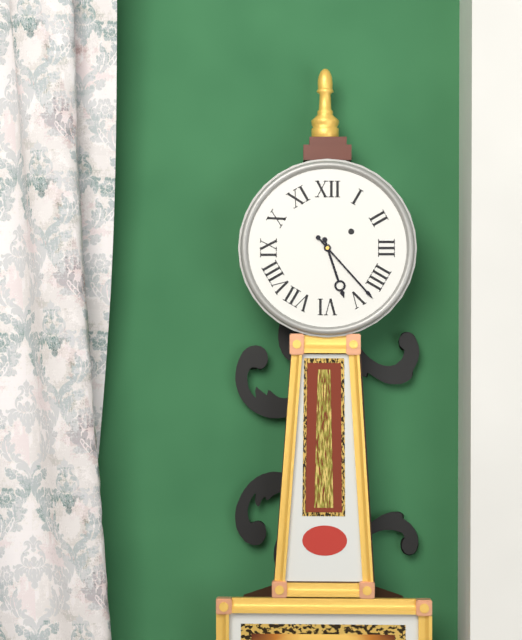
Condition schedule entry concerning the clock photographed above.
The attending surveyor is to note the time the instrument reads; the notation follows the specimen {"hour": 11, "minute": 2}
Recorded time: {"hour": 5, "minute": 23}
